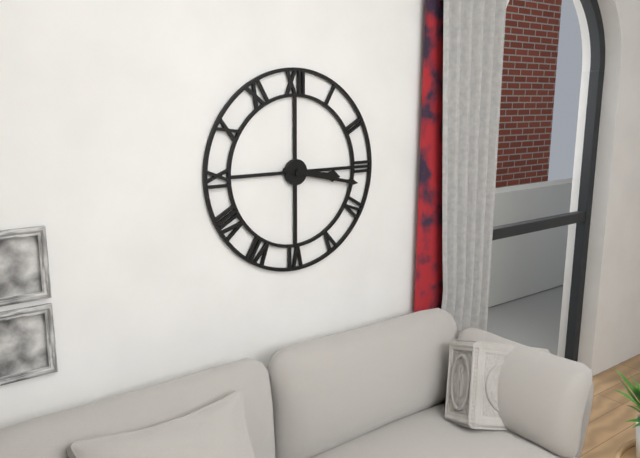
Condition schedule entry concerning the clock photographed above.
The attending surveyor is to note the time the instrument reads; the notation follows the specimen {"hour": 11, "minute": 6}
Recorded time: {"hour": 3, "minute": 17}
